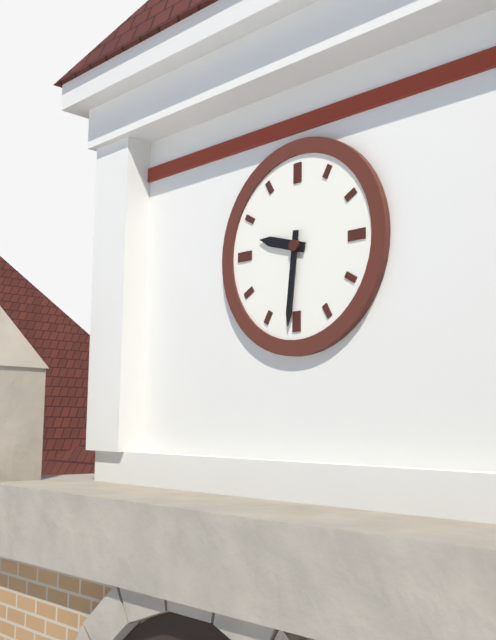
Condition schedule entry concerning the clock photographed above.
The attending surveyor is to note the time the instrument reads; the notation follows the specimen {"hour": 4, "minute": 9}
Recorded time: {"hour": 9, "minute": 31}
